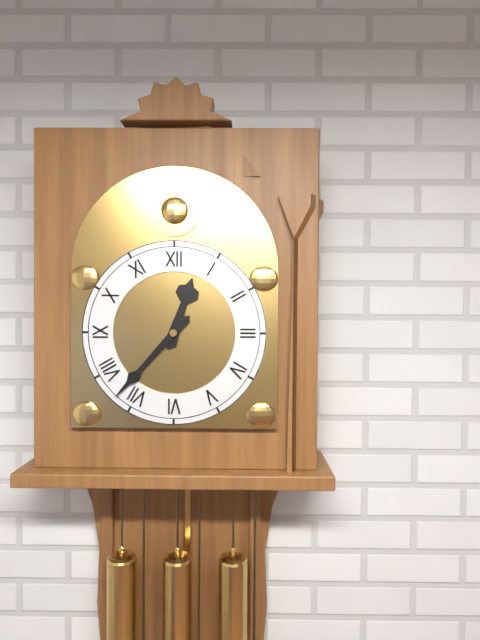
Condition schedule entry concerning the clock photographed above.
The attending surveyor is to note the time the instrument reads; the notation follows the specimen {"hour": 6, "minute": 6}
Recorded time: {"hour": 12, "minute": 37}
